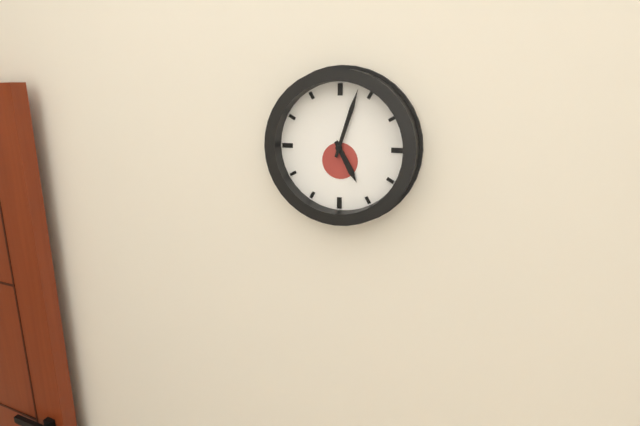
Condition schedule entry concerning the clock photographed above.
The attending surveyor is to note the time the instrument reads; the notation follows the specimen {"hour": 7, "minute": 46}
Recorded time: {"hour": 5, "minute": 3}
